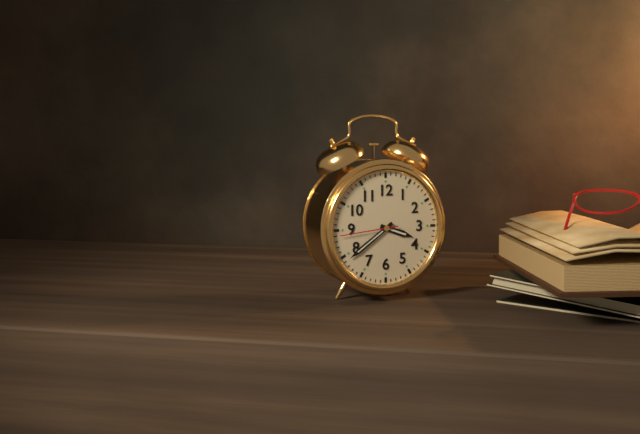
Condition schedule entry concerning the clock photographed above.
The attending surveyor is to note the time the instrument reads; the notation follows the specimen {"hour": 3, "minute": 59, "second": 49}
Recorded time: {"hour": 3, "minute": 39, "second": 44}
